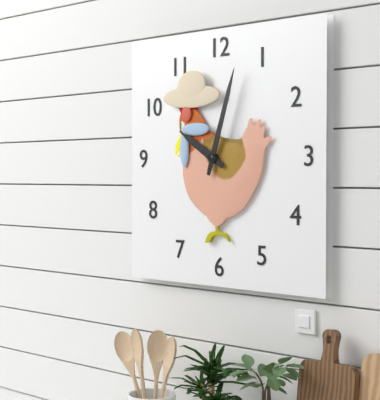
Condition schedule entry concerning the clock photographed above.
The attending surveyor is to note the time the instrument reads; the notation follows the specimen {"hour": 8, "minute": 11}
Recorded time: {"hour": 10, "minute": 3}
